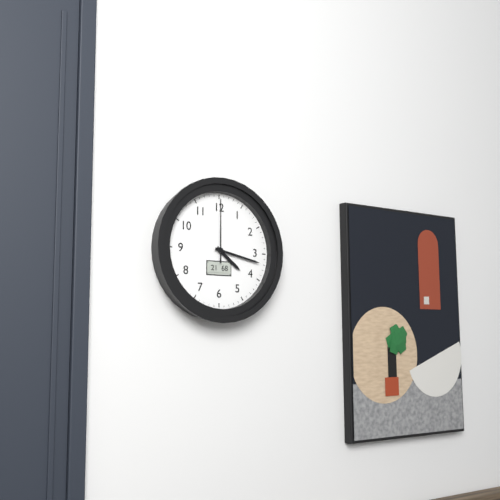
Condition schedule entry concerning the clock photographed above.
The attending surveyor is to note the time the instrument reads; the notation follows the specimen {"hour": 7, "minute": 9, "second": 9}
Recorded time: {"hour": 4, "minute": 17, "second": 0}
